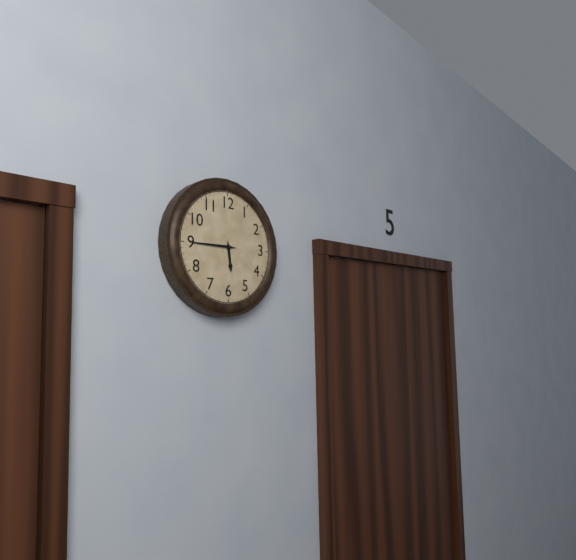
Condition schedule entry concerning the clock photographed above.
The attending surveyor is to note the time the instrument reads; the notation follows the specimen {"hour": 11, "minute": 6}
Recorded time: {"hour": 5, "minute": 45}
